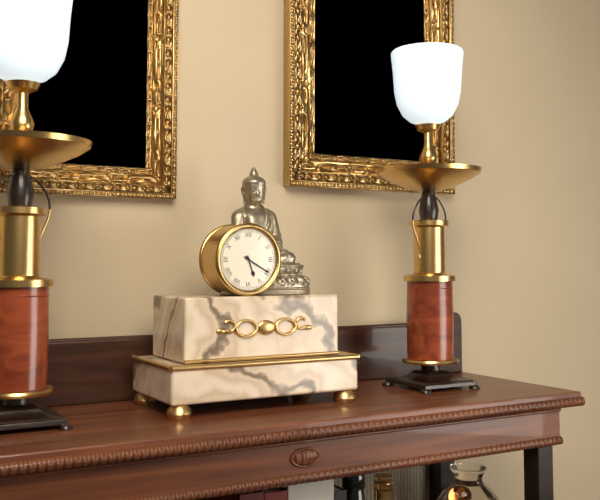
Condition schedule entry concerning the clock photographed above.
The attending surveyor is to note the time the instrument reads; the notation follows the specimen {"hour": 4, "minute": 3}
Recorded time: {"hour": 5, "minute": 20}
